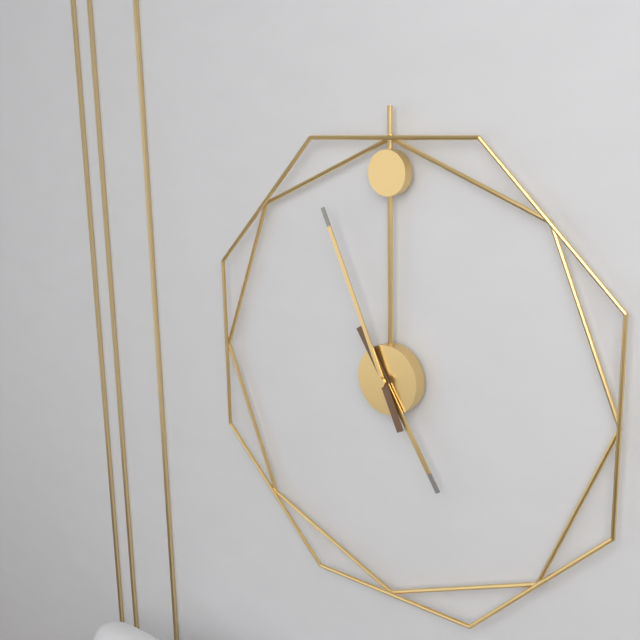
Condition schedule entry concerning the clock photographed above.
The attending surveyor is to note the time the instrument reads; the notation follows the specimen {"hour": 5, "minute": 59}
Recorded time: {"hour": 4, "minute": 56}
